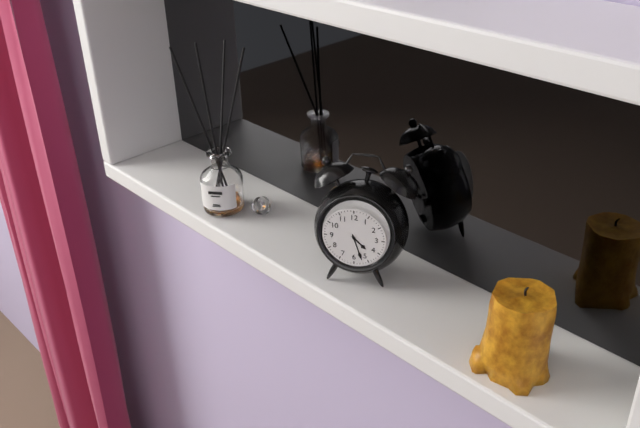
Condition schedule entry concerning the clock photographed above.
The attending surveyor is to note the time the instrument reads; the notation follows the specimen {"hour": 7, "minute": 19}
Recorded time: {"hour": 4, "minute": 27}
